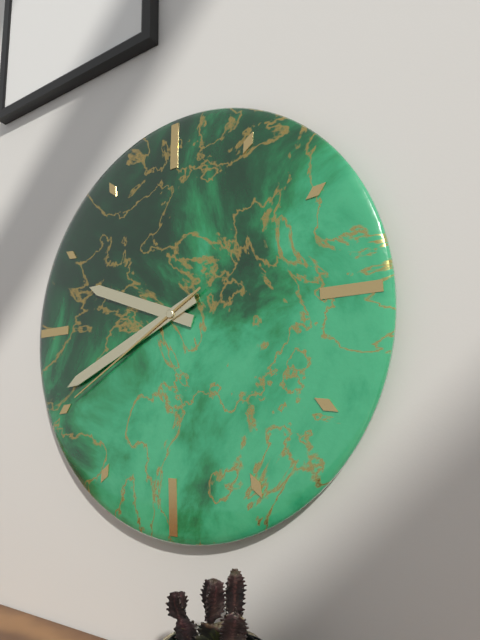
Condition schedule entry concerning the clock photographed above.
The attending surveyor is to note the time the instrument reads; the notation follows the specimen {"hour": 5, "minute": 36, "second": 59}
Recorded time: {"hour": 9, "minute": 41, "second": 40}
